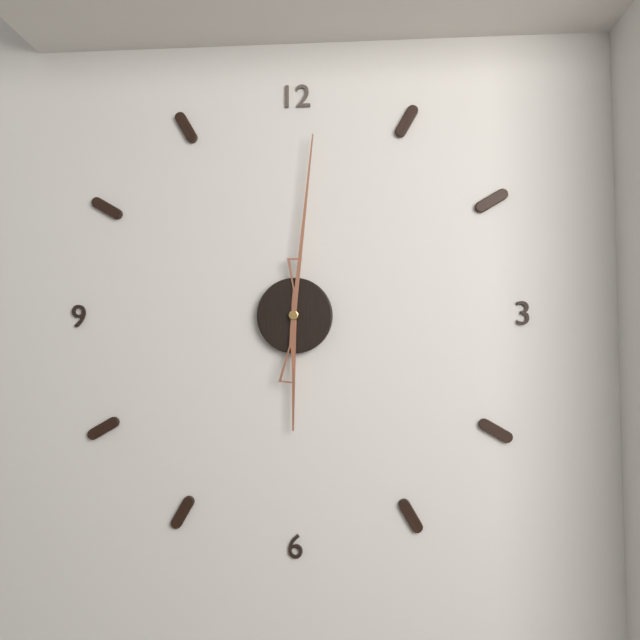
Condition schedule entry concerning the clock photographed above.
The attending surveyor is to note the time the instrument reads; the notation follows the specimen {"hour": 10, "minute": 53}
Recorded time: {"hour": 6, "minute": 1}
